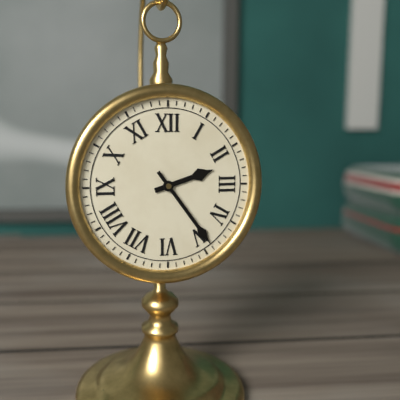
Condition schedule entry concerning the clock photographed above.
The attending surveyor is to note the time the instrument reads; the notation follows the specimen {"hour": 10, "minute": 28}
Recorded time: {"hour": 2, "minute": 24}
